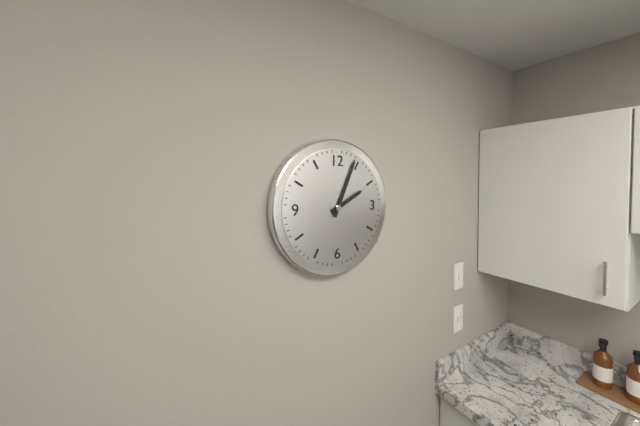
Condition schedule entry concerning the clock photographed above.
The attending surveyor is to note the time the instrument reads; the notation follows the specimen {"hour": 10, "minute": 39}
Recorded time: {"hour": 2, "minute": 4}
